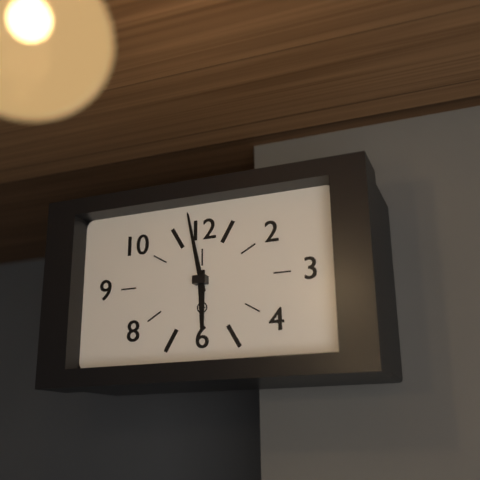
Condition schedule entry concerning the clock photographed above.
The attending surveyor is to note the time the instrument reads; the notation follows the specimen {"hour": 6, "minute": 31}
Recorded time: {"hour": 5, "minute": 58}
